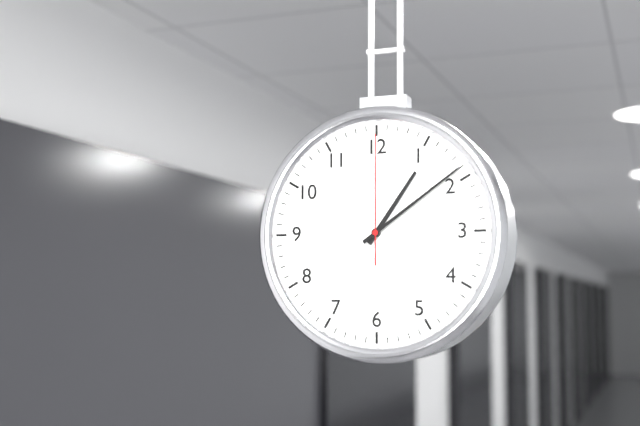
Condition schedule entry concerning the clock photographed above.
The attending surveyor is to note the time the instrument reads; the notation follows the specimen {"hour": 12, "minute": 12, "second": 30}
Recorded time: {"hour": 1, "minute": 9, "second": 0}
